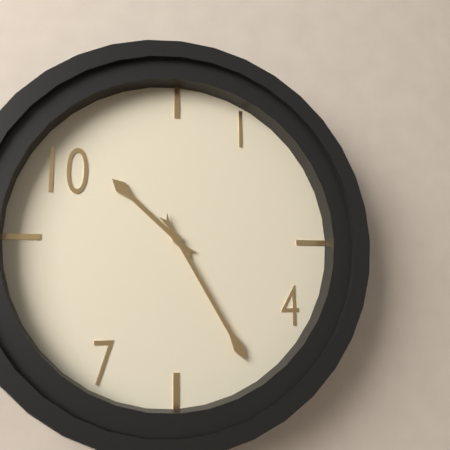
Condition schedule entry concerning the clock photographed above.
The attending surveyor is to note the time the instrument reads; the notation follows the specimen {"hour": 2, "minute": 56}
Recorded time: {"hour": 10, "minute": 25}
